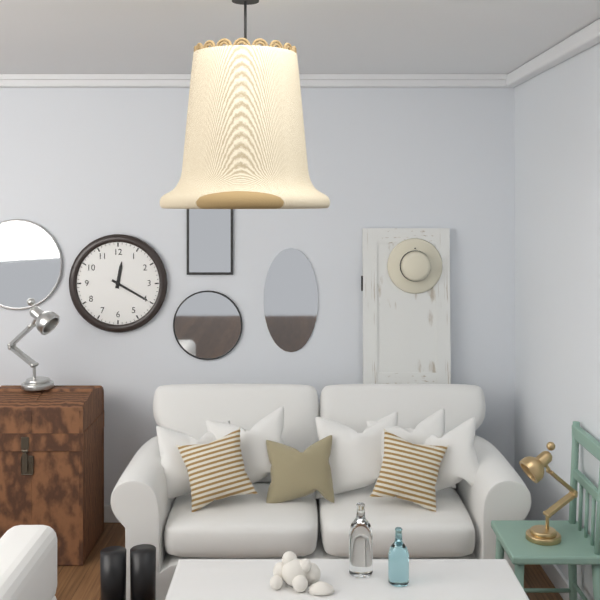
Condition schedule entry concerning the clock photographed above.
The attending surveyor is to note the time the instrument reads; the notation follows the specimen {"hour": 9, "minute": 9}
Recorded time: {"hour": 12, "minute": 20}
